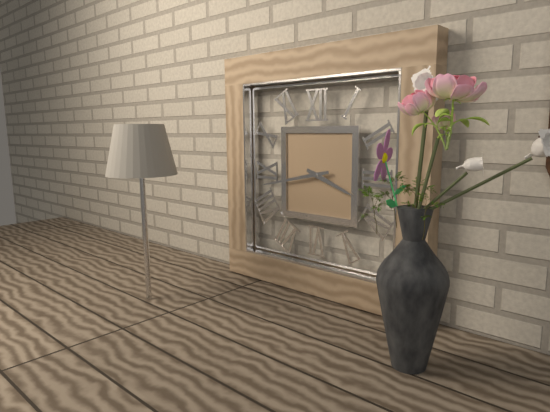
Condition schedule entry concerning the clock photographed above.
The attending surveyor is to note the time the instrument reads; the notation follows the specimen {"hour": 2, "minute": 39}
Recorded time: {"hour": 3, "minute": 43}
